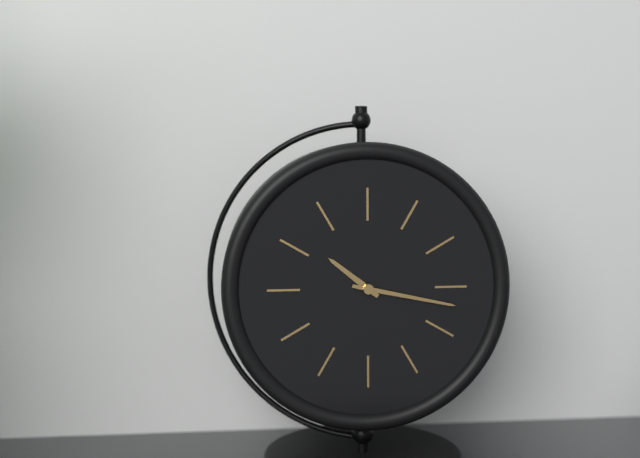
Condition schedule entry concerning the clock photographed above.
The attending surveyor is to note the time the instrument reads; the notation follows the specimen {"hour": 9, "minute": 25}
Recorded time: {"hour": 10, "minute": 17}
